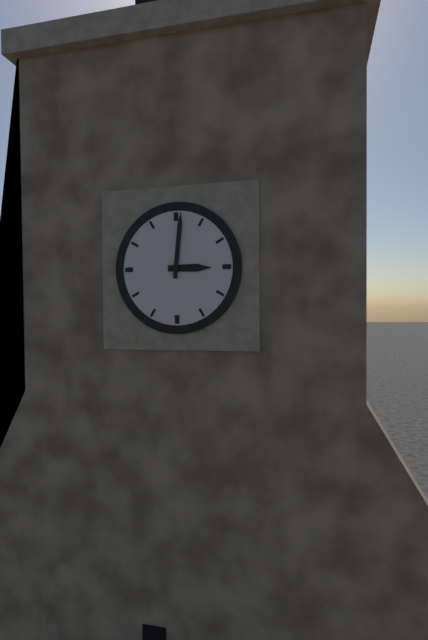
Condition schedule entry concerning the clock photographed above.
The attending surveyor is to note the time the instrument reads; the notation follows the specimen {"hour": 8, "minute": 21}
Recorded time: {"hour": 3, "minute": 1}
